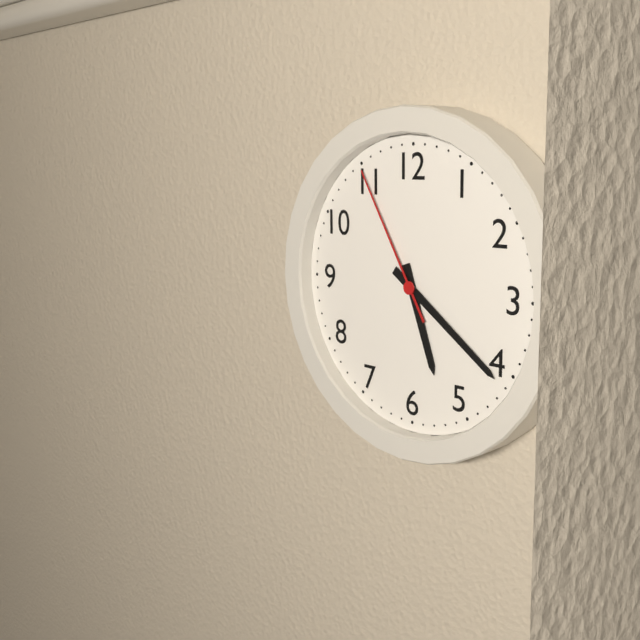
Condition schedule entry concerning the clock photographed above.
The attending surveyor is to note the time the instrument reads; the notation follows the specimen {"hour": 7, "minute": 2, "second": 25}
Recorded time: {"hour": 5, "minute": 21, "second": 55}
